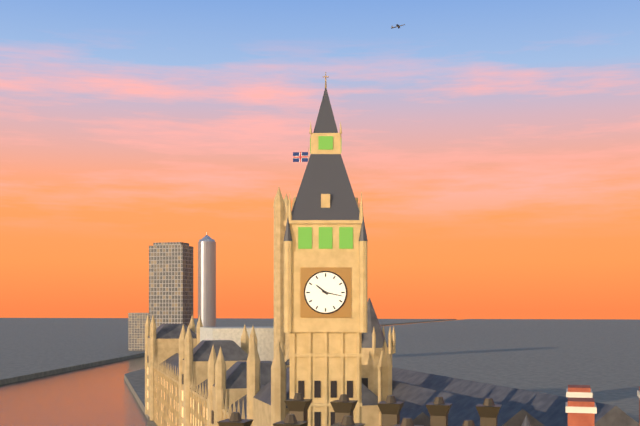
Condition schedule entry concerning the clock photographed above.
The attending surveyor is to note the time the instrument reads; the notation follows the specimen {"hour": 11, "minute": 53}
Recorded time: {"hour": 10, "minute": 17}
